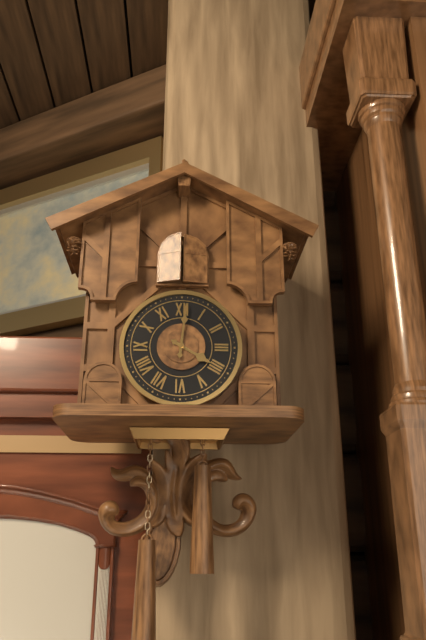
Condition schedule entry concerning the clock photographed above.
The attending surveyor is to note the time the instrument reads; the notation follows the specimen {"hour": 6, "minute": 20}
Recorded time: {"hour": 4, "minute": 1}
